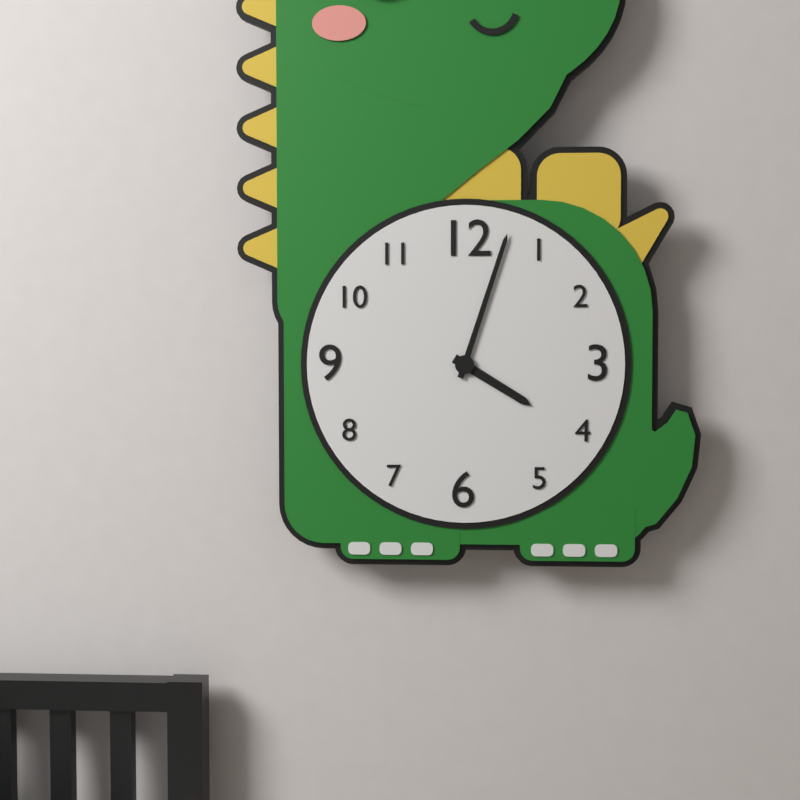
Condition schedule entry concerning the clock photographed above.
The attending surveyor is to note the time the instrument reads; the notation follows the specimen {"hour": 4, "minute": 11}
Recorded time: {"hour": 4, "minute": 3}
